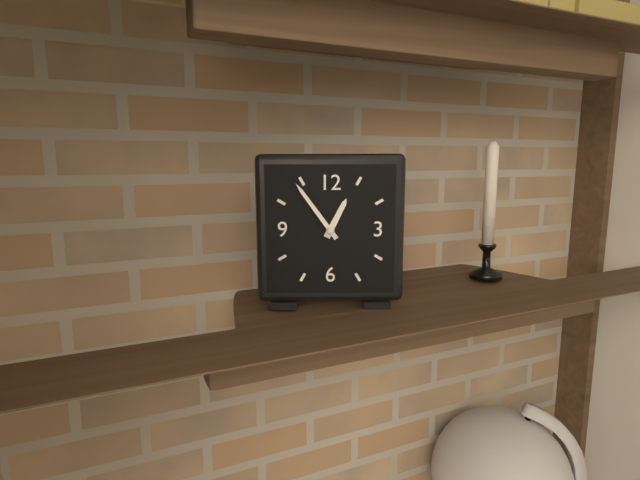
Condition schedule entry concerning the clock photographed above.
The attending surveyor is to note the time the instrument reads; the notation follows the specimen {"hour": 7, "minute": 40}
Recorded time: {"hour": 12, "minute": 54}
